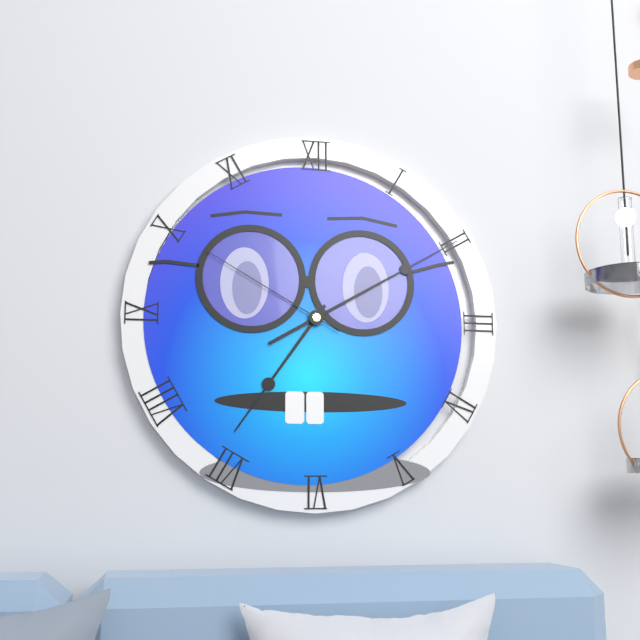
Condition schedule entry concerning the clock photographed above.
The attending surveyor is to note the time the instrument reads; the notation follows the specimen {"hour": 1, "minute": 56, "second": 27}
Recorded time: {"hour": 7, "minute": 10, "second": 50}
